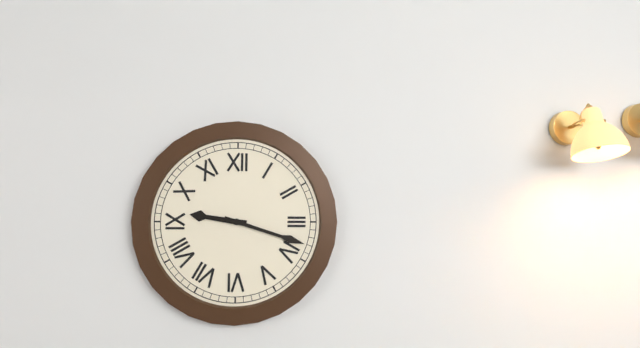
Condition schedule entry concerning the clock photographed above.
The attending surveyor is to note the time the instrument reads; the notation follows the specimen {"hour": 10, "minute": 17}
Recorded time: {"hour": 9, "minute": 18}
